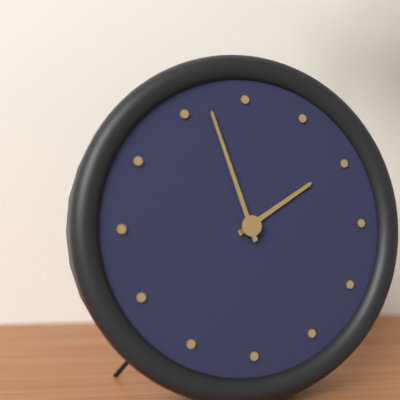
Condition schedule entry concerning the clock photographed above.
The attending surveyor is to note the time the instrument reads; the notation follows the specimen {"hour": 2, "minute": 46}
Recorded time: {"hour": 1, "minute": 57}
